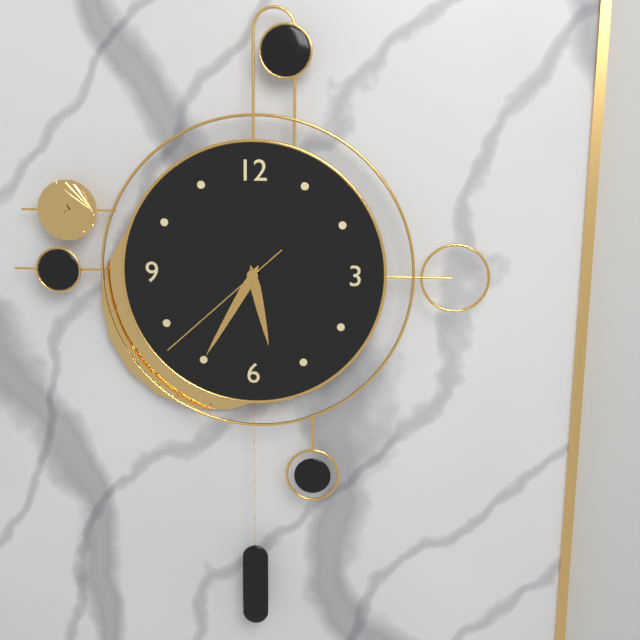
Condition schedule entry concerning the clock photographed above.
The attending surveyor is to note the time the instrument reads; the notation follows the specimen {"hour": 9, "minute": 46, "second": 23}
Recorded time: {"hour": 5, "minute": 35, "second": 38}
